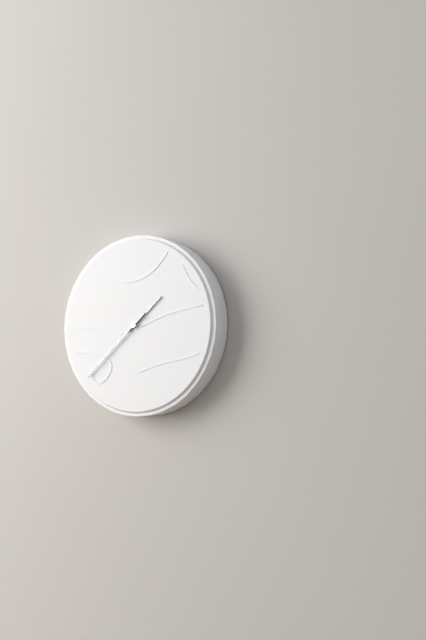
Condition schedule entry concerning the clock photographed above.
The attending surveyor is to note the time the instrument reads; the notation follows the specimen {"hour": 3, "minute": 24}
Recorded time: {"hour": 1, "minute": 38}
